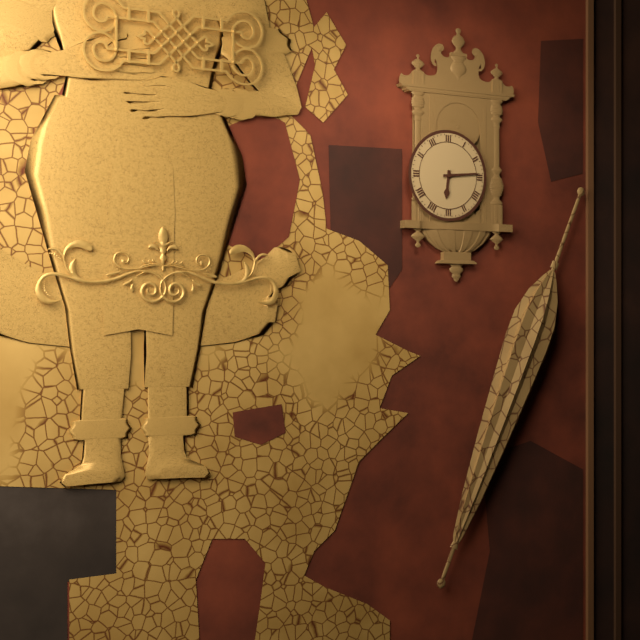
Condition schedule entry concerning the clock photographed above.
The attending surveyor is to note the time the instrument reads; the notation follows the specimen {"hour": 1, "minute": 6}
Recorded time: {"hour": 6, "minute": 14}
